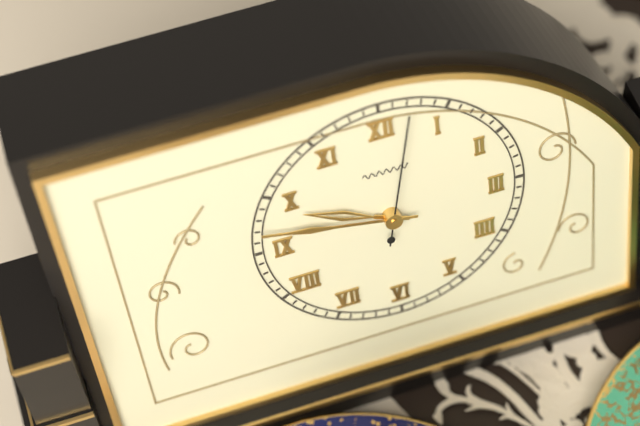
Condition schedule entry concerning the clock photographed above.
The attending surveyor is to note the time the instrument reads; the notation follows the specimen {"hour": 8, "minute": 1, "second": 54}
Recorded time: {"hour": 9, "minute": 47, "second": 2}
